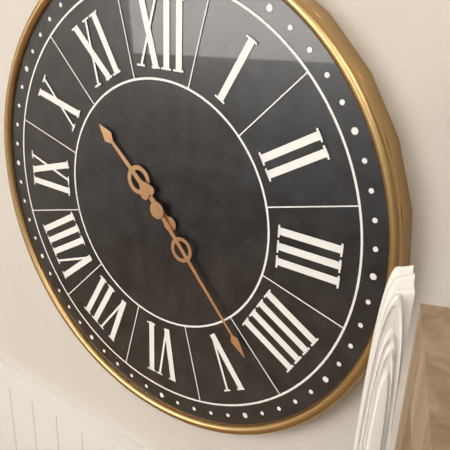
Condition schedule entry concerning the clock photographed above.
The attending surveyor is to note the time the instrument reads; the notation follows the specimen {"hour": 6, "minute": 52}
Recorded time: {"hour": 10, "minute": 23}
